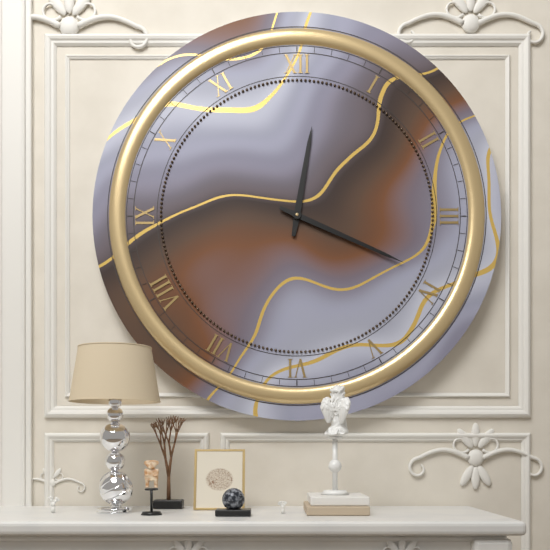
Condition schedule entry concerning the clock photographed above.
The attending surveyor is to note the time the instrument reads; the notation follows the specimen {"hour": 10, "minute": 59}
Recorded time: {"hour": 12, "minute": 19}
